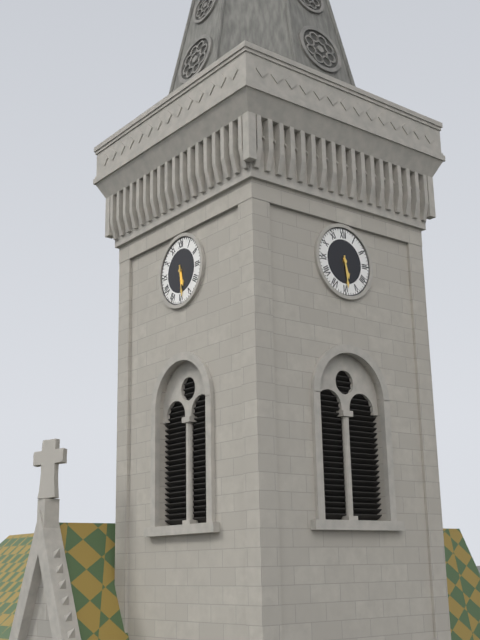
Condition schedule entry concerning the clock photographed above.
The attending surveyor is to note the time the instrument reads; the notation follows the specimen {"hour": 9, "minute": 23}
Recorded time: {"hour": 5, "minute": 29}
